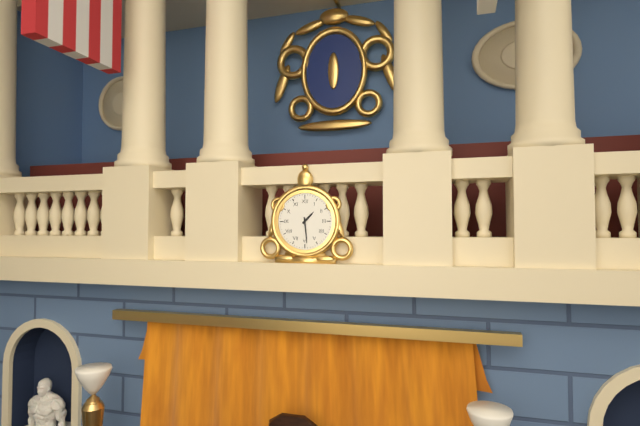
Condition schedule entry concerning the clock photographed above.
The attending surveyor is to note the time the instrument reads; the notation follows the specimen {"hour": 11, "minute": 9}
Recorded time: {"hour": 1, "minute": 29}
